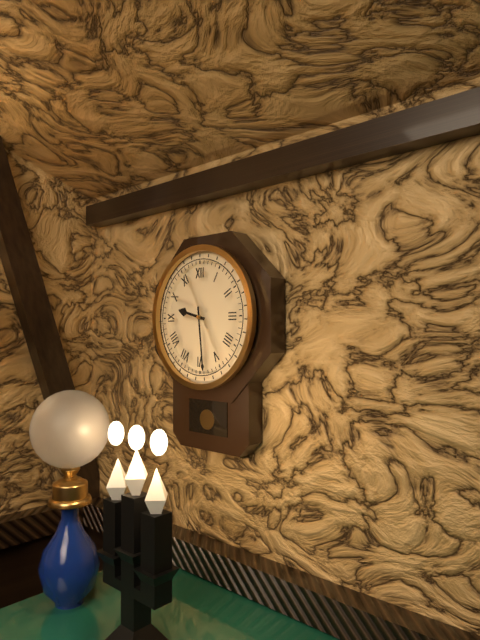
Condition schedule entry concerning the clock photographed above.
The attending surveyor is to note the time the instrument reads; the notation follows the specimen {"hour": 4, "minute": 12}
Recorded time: {"hour": 9, "minute": 29}
